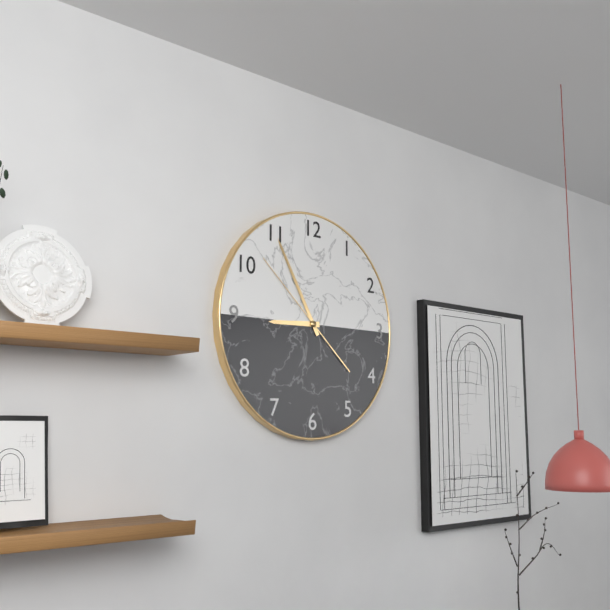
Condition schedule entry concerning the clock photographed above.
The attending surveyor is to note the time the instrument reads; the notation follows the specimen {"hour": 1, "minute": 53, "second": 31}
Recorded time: {"hour": 8, "minute": 55, "second": 52}
